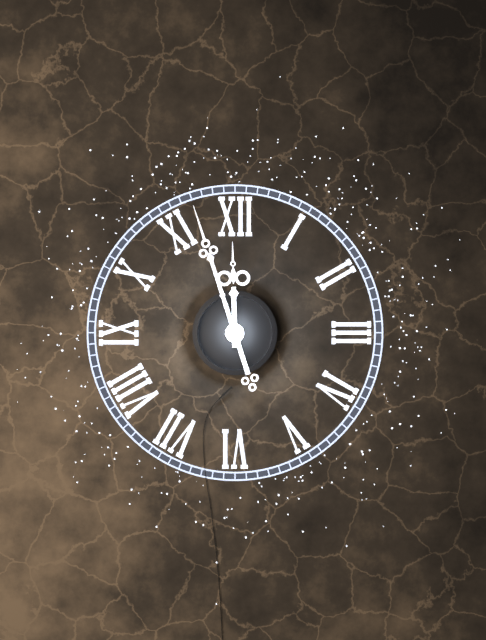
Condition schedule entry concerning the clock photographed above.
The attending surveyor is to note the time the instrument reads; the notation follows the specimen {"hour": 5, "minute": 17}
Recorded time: {"hour": 11, "minute": 57}
